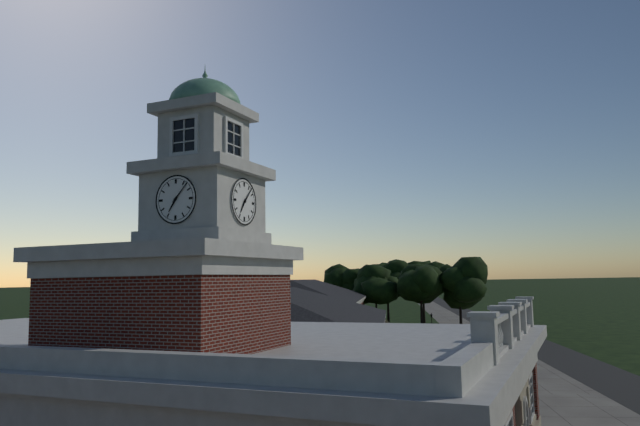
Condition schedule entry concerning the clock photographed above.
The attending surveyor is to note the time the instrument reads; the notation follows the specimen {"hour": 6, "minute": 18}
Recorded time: {"hour": 7, "minute": 7}
